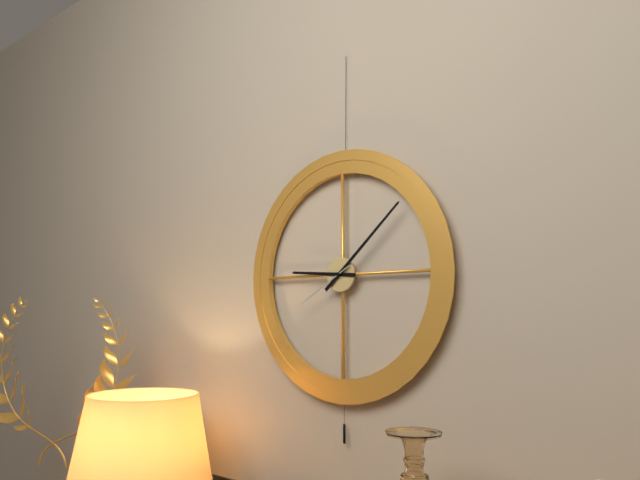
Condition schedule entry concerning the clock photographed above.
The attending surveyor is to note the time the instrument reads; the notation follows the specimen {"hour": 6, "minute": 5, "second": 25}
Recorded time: {"hour": 9, "minute": 8, "second": 40}
